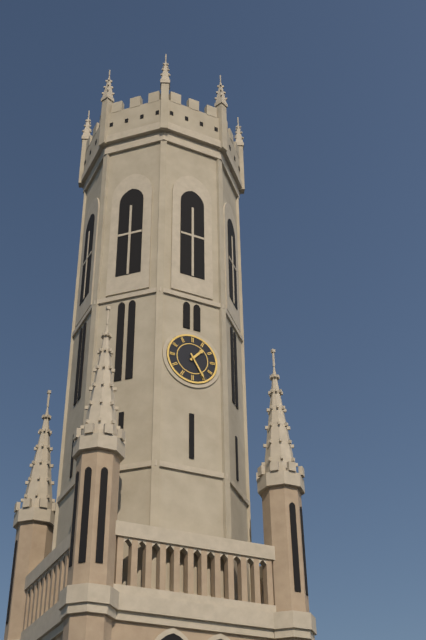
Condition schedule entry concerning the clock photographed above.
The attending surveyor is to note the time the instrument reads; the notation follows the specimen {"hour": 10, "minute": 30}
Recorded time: {"hour": 1, "minute": 25}
